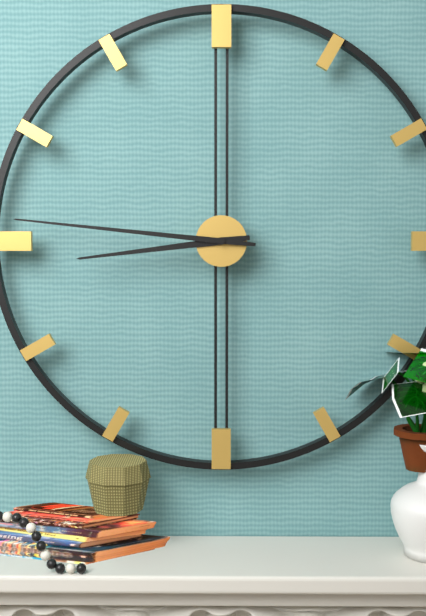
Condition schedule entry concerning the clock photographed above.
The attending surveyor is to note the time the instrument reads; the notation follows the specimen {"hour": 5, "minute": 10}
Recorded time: {"hour": 8, "minute": 46}
